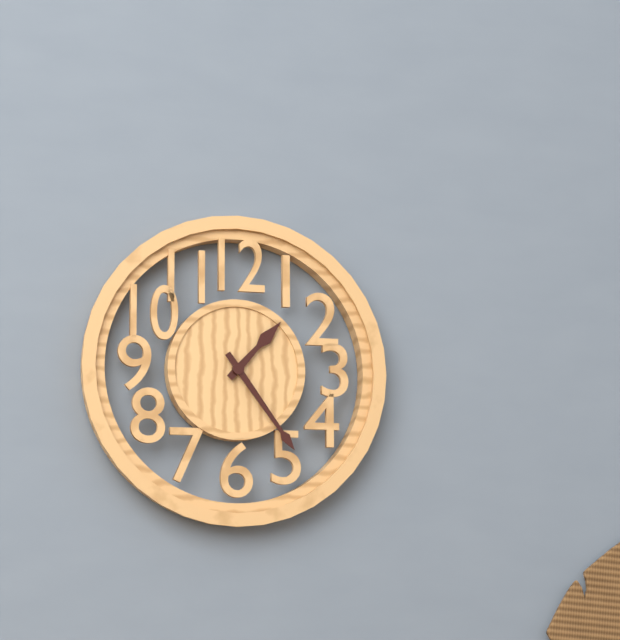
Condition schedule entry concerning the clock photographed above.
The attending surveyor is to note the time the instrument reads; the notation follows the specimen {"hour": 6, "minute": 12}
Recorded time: {"hour": 1, "minute": 24}
